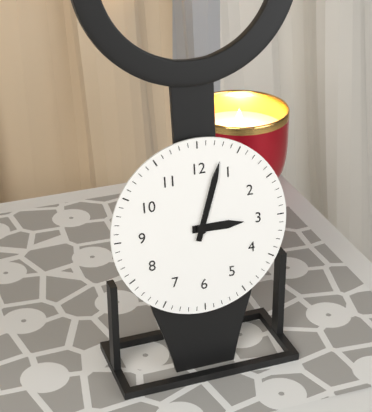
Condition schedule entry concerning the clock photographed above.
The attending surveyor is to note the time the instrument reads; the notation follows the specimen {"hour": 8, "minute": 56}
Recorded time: {"hour": 3, "minute": 3}
